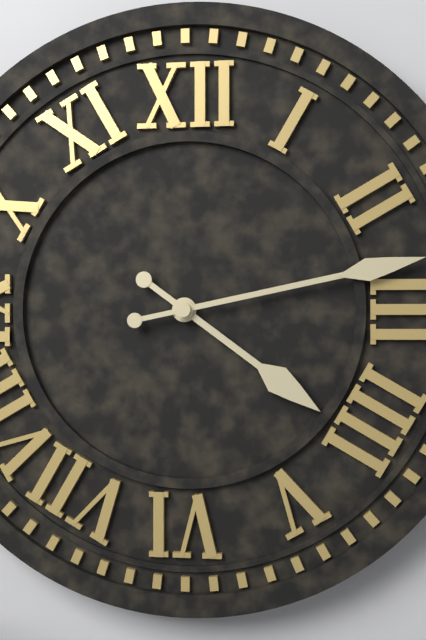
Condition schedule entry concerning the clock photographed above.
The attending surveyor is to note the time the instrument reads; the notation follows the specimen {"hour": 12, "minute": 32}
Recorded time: {"hour": 4, "minute": 13}
